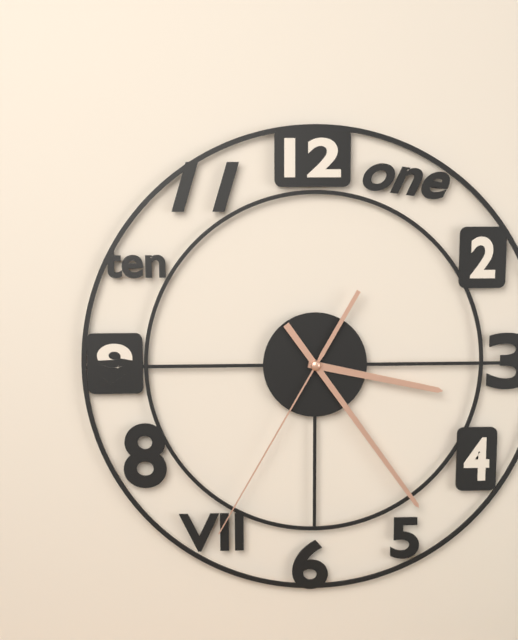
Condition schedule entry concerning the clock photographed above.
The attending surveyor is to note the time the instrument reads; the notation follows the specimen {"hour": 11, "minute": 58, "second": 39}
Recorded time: {"hour": 3, "minute": 24, "second": 35}
